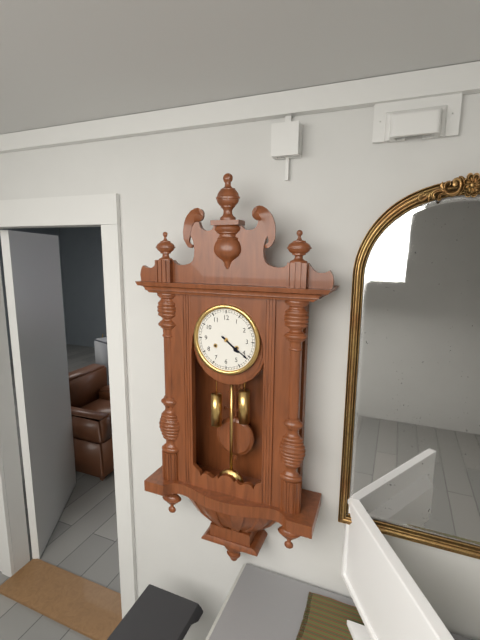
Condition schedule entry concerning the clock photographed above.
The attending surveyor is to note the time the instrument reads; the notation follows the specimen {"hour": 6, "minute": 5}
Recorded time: {"hour": 4, "minute": 21}
